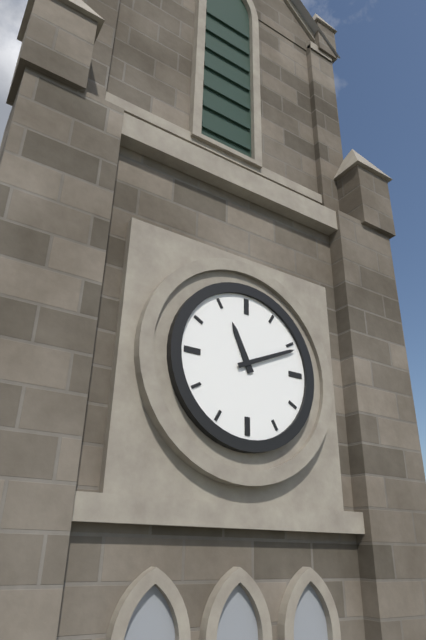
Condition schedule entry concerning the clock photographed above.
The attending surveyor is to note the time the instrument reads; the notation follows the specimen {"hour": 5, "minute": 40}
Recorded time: {"hour": 11, "minute": 11}
